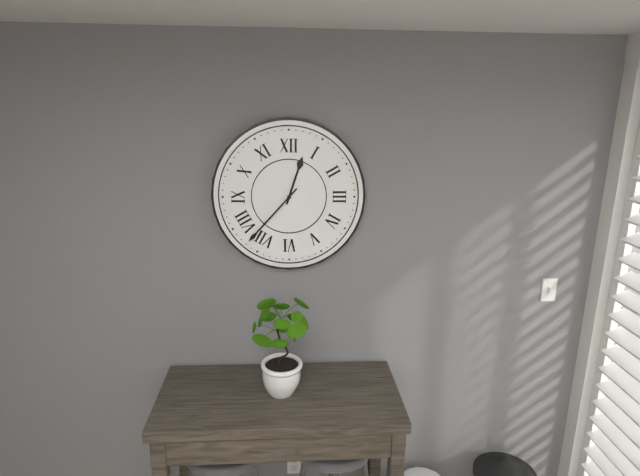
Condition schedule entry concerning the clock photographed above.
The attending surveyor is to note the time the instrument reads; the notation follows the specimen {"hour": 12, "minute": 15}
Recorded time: {"hour": 12, "minute": 37}
